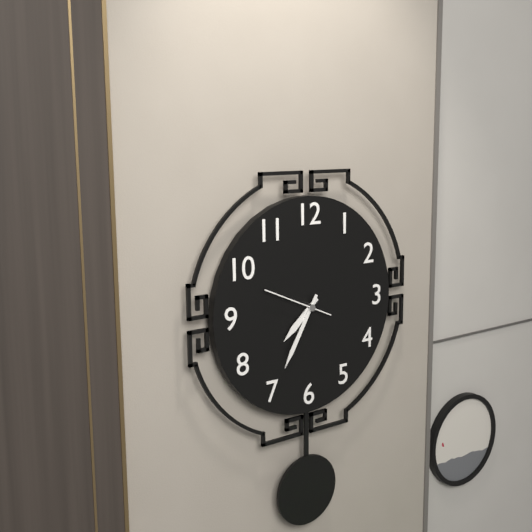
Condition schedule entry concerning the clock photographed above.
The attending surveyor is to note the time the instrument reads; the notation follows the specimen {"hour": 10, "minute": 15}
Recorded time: {"hour": 7, "minute": 35}
